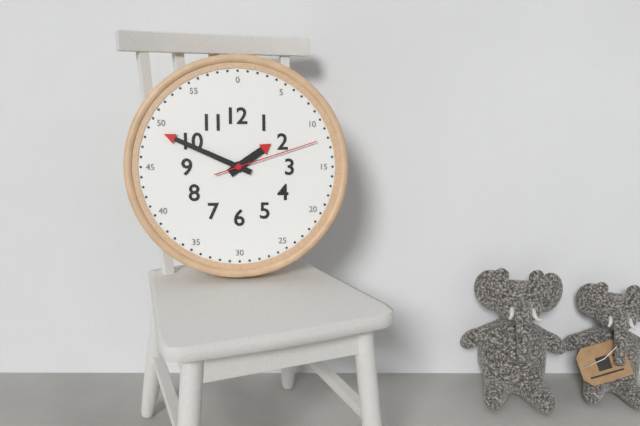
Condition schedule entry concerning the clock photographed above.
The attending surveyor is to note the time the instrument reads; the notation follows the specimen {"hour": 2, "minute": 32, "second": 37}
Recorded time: {"hour": 1, "minute": 49, "second": 12}
